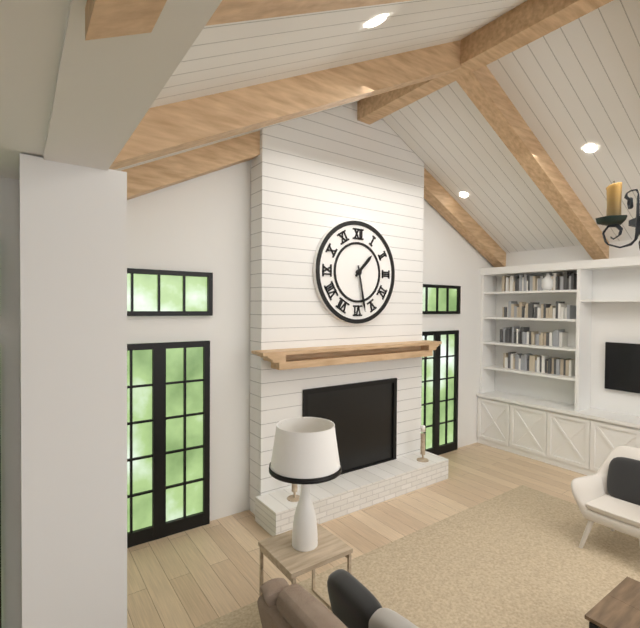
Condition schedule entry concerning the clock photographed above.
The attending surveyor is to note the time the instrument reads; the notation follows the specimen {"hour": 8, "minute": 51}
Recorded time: {"hour": 1, "minute": 28}
